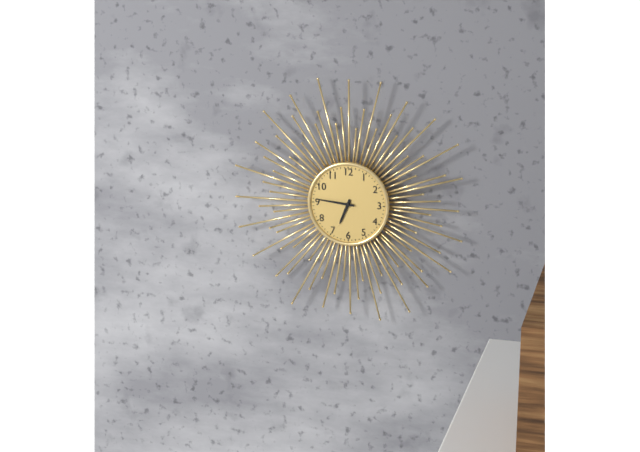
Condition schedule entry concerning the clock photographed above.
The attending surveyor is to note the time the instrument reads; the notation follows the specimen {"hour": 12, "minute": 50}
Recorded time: {"hour": 6, "minute": 46}
